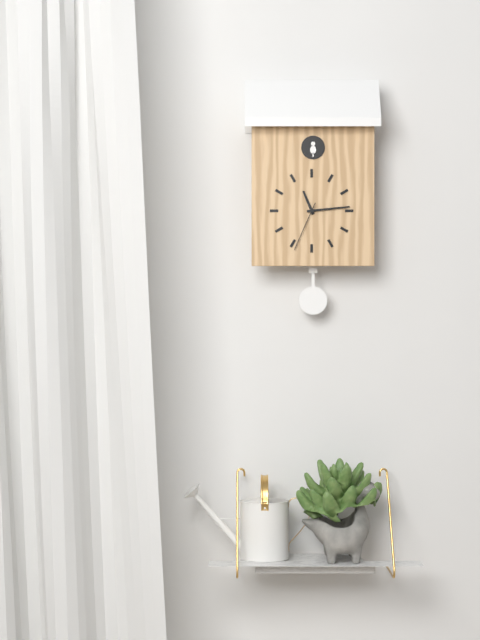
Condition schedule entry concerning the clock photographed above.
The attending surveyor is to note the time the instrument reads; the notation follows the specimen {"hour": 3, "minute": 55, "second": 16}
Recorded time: {"hour": 11, "minute": 14, "second": 34}
